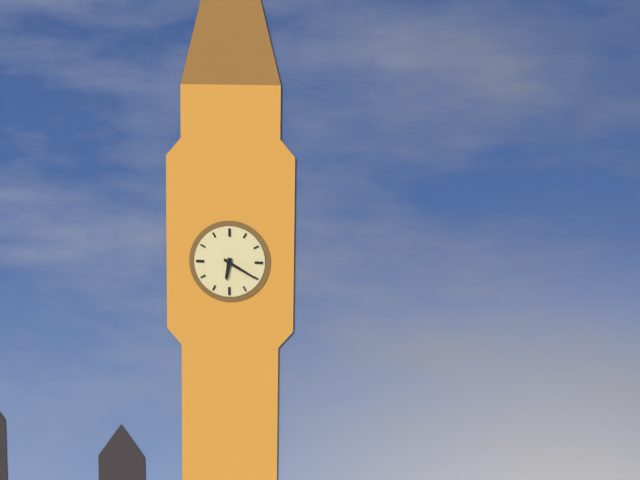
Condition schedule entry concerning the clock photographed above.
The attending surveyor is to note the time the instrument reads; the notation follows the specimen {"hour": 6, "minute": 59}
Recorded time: {"hour": 6, "minute": 20}
